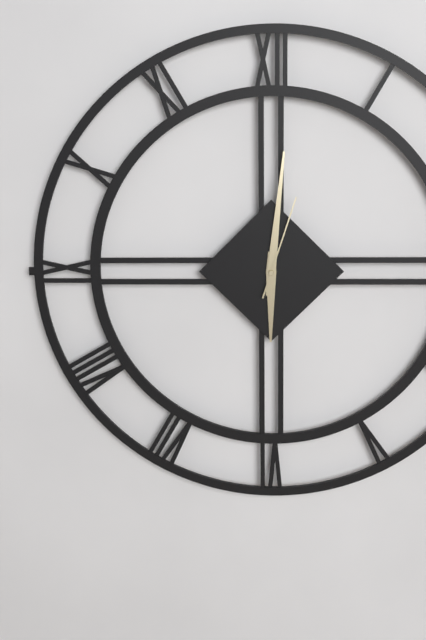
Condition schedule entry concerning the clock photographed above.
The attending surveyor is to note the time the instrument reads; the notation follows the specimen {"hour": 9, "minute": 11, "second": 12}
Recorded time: {"hour": 6, "minute": 1, "second": 3}
